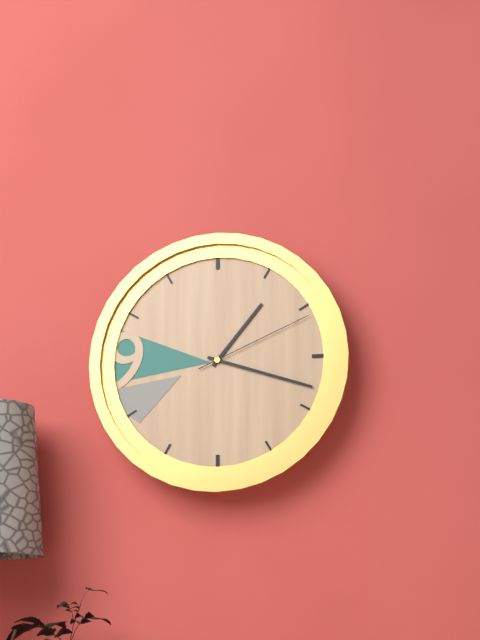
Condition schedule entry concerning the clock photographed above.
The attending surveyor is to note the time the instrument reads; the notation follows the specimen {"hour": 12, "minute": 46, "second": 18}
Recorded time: {"hour": 1, "minute": 18, "second": 11}
